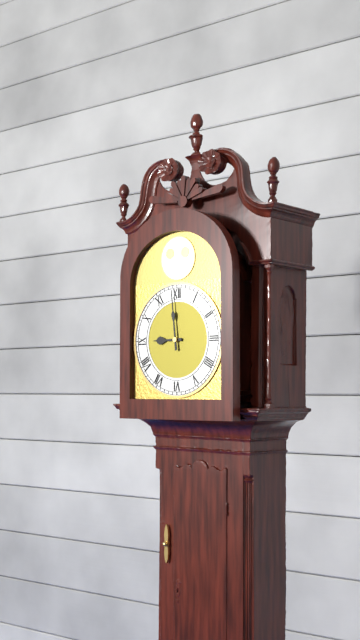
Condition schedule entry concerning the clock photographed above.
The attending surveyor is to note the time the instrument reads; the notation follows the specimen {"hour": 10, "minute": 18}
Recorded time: {"hour": 8, "minute": 59}
